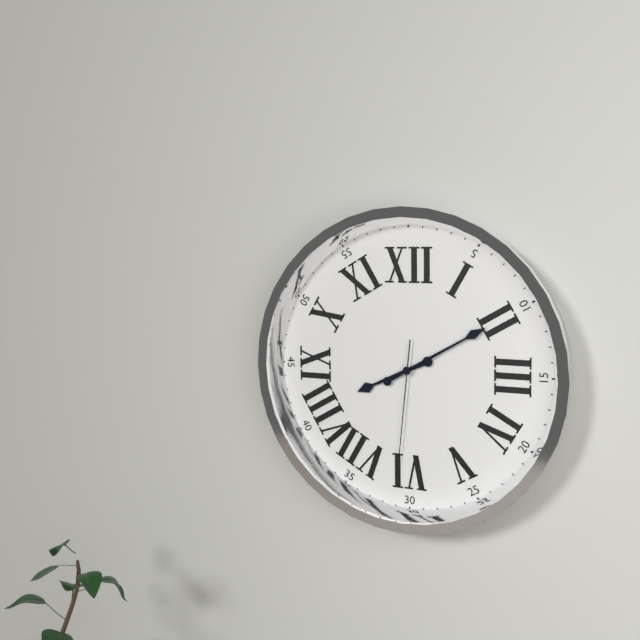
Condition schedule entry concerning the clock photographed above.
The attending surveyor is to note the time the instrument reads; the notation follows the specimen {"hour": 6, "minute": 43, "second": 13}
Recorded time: {"hour": 8, "minute": 10, "second": 31}
